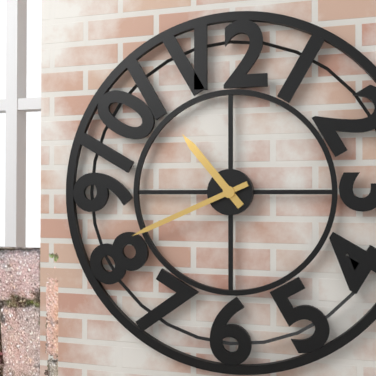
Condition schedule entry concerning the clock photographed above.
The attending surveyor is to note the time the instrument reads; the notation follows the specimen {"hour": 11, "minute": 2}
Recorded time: {"hour": 10, "minute": 41}
